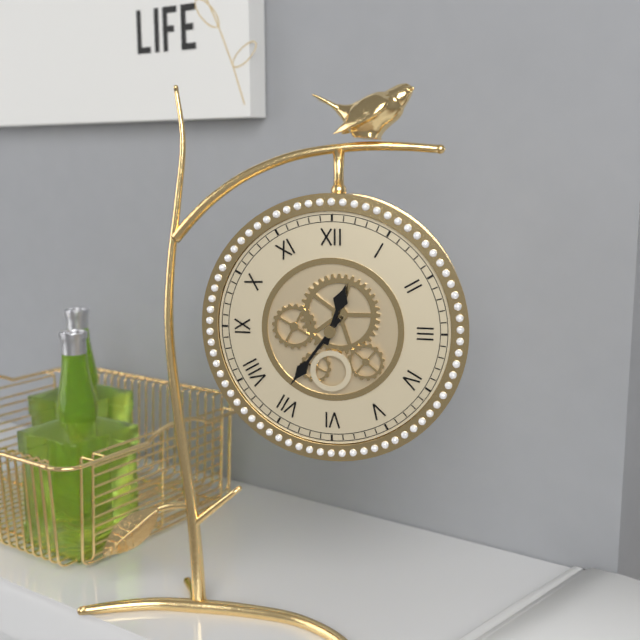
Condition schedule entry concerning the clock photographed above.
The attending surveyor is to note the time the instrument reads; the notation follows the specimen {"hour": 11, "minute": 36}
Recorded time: {"hour": 12, "minute": 36}
